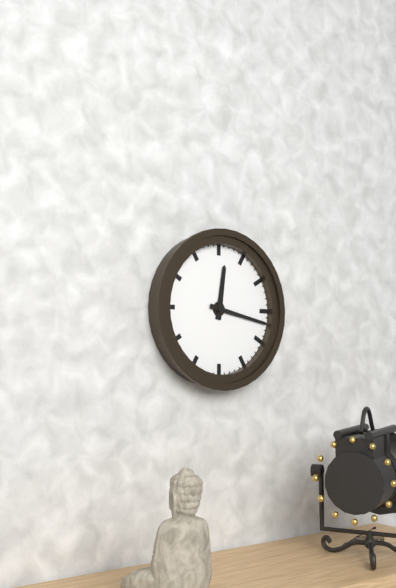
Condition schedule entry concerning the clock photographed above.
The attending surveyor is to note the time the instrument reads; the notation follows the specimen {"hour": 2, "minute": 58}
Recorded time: {"hour": 12, "minute": 17}
